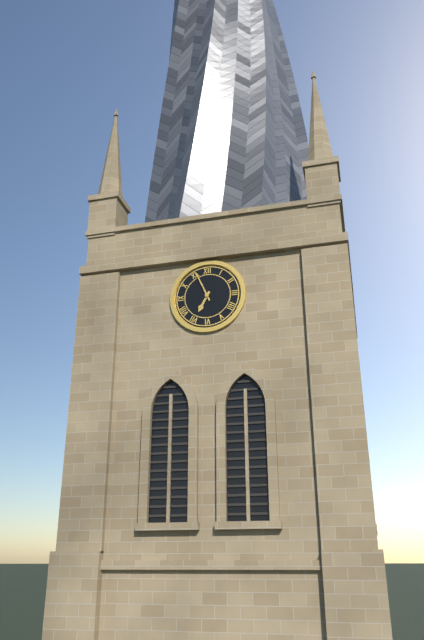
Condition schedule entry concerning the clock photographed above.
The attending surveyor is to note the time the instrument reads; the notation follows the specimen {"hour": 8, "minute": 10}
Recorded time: {"hour": 6, "minute": 56}
